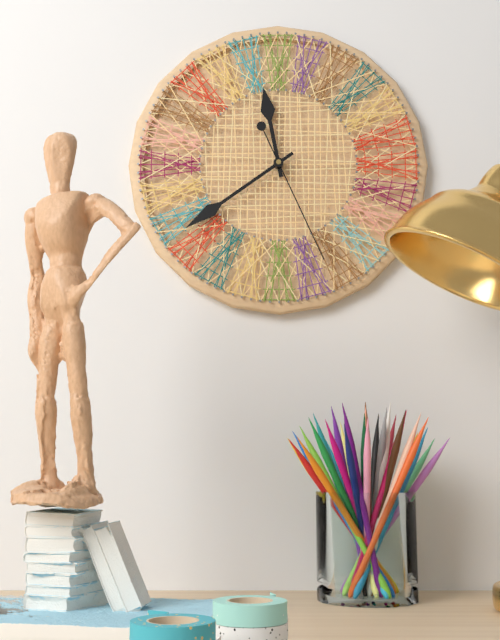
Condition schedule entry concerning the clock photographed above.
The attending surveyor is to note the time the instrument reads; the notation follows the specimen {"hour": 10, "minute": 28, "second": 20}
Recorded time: {"hour": 11, "minute": 39, "second": 26}
